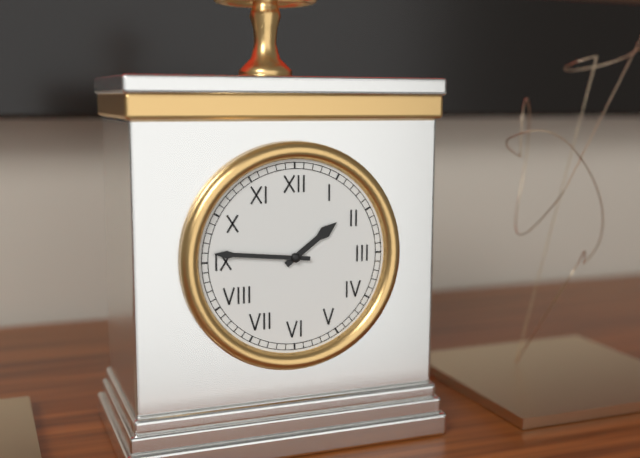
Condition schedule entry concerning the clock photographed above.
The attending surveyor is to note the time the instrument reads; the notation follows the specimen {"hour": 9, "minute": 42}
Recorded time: {"hour": 1, "minute": 46}
